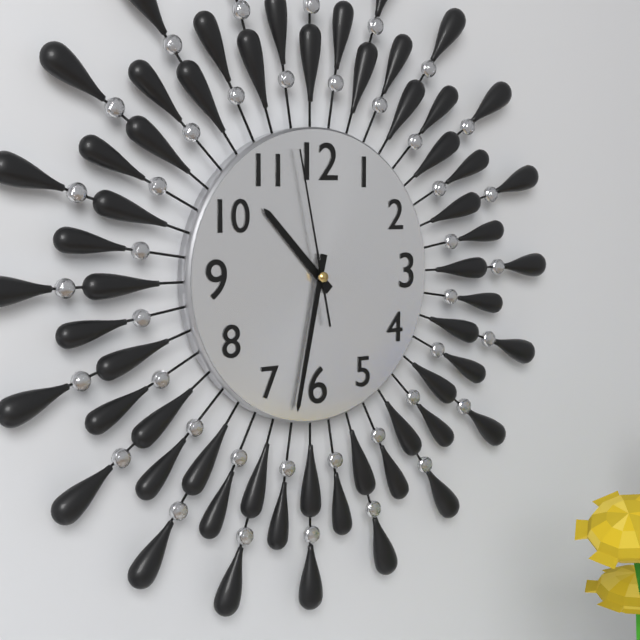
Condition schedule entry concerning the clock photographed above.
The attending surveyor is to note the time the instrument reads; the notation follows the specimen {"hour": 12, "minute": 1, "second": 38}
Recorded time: {"hour": 10, "minute": 32, "second": 58}
